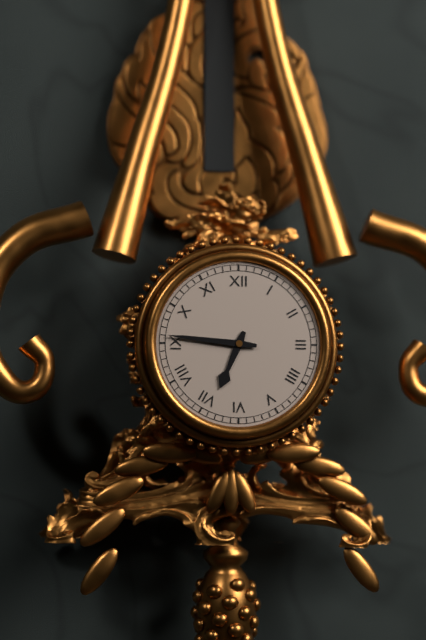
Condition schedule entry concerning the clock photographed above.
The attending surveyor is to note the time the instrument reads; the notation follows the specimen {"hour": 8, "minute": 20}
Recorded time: {"hour": 6, "minute": 46}
